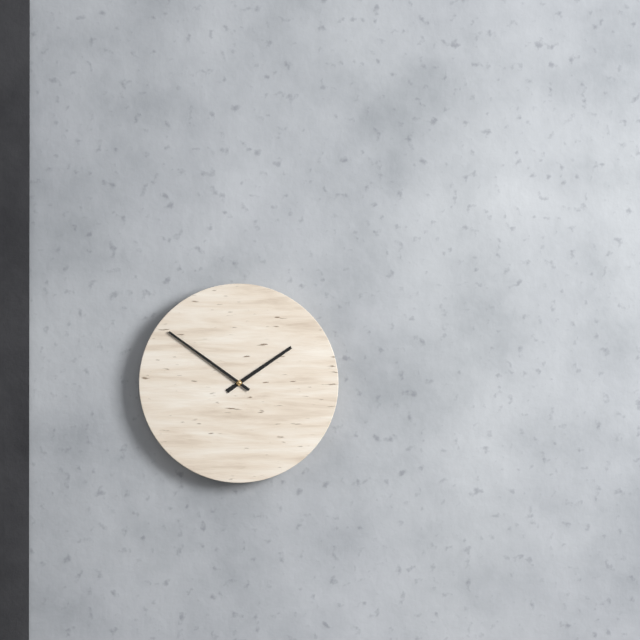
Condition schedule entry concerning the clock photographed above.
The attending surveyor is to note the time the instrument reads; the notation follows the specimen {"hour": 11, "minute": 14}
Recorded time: {"hour": 1, "minute": 51}
